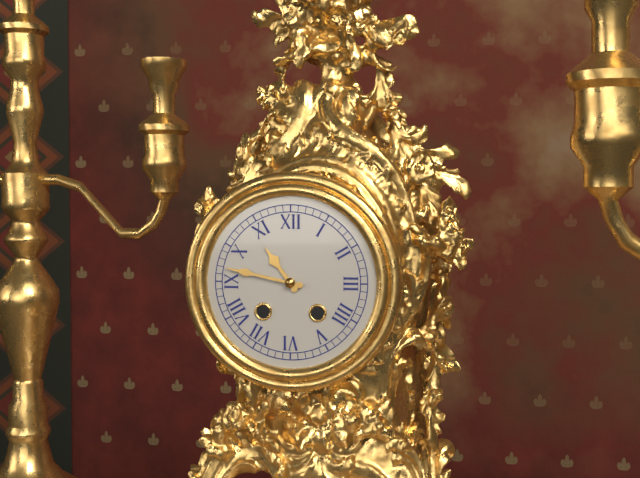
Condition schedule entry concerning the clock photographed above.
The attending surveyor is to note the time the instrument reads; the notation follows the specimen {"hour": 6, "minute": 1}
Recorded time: {"hour": 10, "minute": 47}
